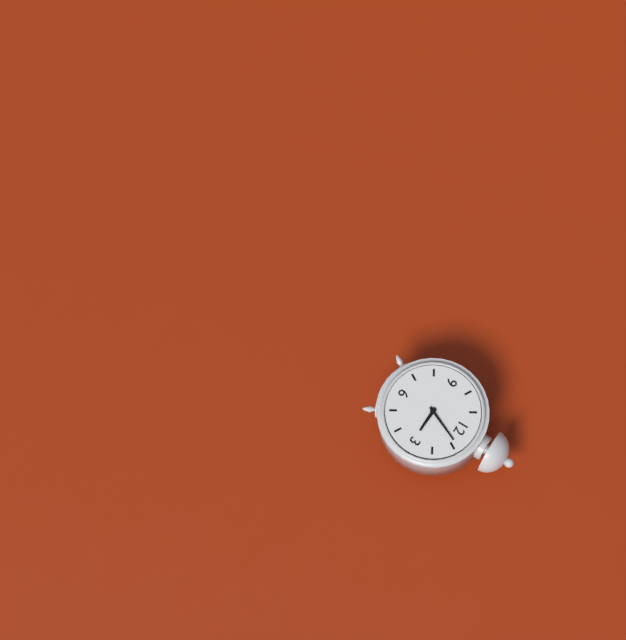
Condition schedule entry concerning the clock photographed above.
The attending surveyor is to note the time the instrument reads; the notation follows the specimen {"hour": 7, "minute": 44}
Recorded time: {"hour": 3, "minute": 4}
